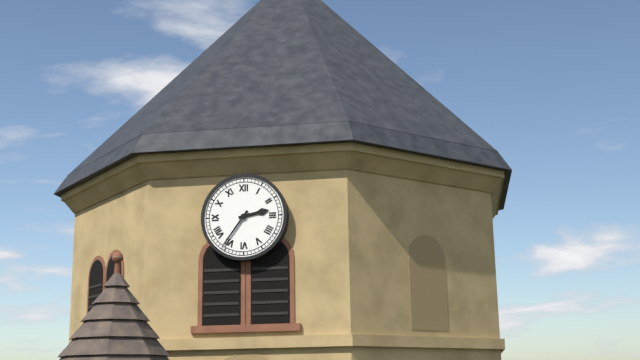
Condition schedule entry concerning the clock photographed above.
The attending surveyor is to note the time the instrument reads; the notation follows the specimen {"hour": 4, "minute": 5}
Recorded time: {"hour": 2, "minute": 36}
